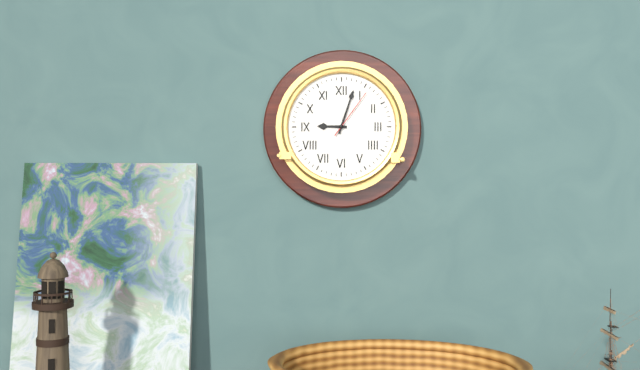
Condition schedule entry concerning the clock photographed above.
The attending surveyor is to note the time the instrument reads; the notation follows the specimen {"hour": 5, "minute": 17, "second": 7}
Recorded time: {"hour": 9, "minute": 3, "second": 6}
